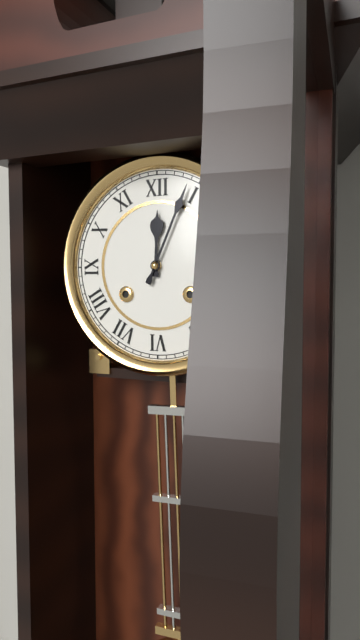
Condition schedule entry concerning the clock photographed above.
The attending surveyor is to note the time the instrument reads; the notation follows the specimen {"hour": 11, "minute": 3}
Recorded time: {"hour": 12, "minute": 4}
